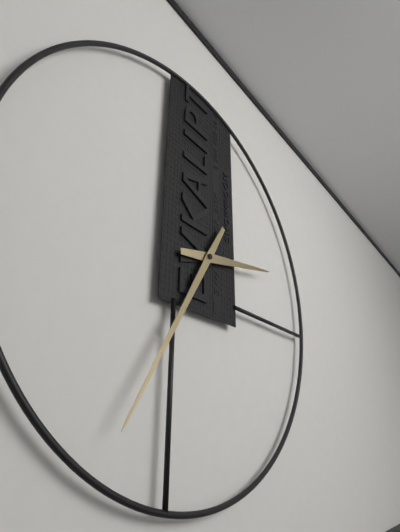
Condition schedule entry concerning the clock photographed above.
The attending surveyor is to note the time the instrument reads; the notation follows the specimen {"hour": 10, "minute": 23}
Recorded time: {"hour": 2, "minute": 35}
